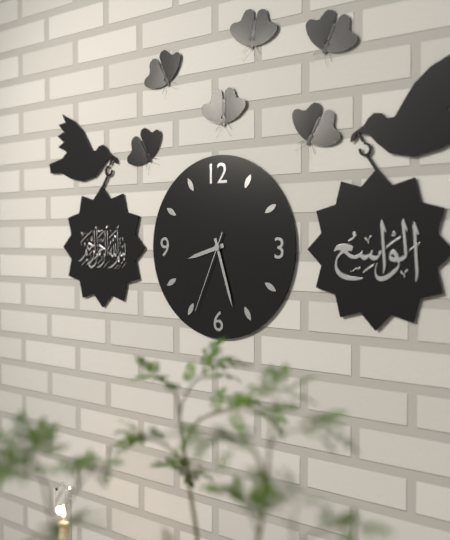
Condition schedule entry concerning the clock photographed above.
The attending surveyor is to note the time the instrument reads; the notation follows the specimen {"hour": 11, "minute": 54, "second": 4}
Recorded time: {"hour": 8, "minute": 27, "second": 34}
